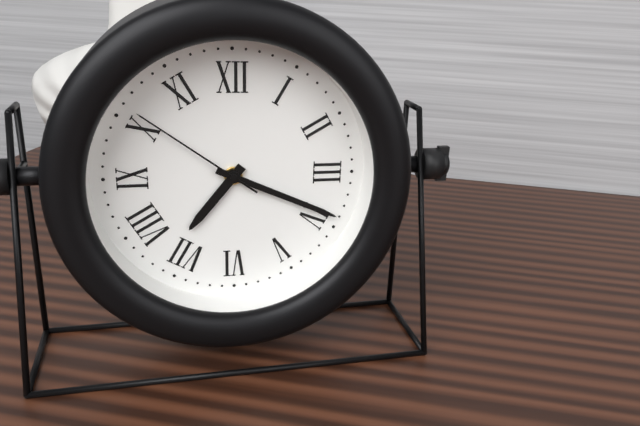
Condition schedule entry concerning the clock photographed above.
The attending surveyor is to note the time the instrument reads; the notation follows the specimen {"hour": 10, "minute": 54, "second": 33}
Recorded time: {"hour": 7, "minute": 19, "second": 51}
